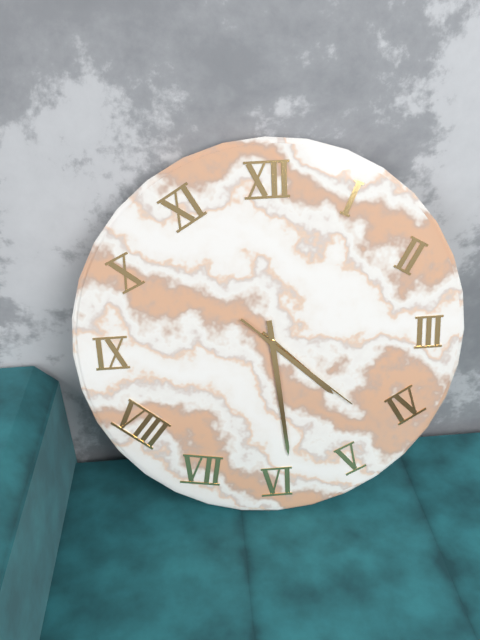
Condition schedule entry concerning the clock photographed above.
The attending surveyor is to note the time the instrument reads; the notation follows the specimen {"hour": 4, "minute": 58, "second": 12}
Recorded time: {"hour": 4, "minute": 29, "second": 22}
